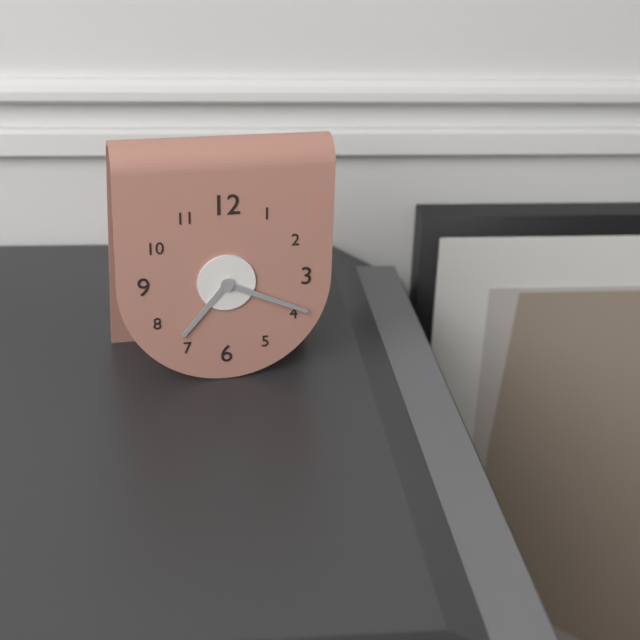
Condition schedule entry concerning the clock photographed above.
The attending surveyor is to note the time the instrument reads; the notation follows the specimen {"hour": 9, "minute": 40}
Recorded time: {"hour": 7, "minute": 19}
